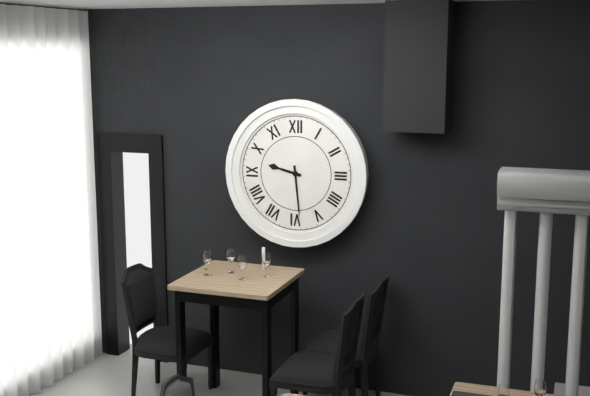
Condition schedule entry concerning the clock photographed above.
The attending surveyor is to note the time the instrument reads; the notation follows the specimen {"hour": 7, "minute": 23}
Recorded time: {"hour": 9, "minute": 29}
